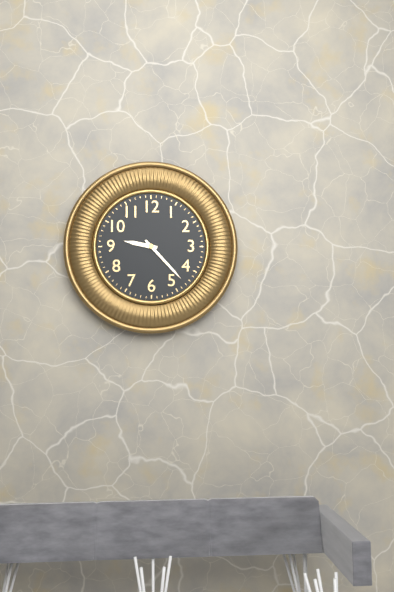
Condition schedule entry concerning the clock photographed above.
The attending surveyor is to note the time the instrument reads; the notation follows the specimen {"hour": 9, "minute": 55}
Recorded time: {"hour": 9, "minute": 23}
